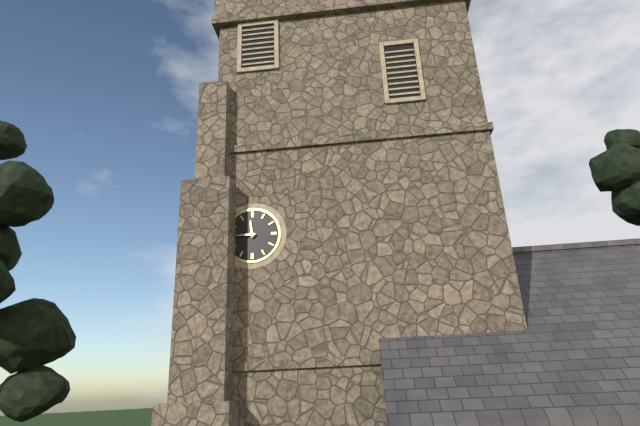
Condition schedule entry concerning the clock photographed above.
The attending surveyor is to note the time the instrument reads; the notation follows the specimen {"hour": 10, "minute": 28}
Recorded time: {"hour": 11, "minute": 45}
